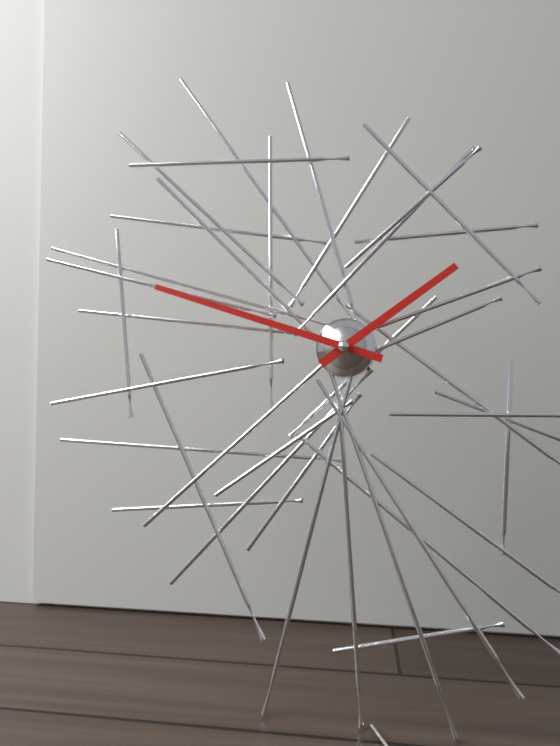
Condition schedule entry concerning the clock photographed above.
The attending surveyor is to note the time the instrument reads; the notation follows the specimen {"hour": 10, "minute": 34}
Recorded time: {"hour": 1, "minute": 48}
